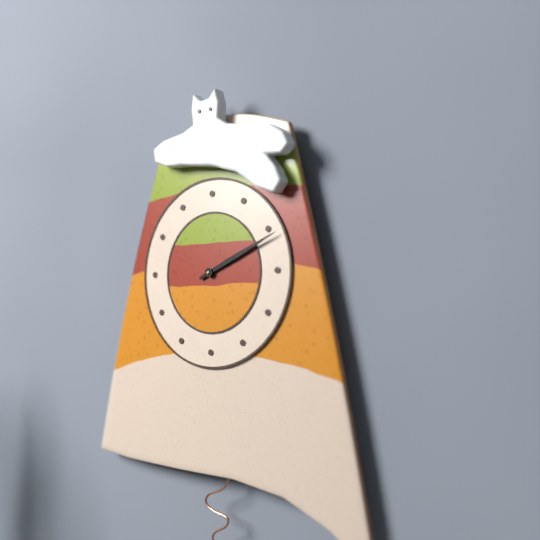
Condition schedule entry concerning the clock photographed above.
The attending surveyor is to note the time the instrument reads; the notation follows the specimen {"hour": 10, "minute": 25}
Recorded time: {"hour": 2, "minute": 11}
